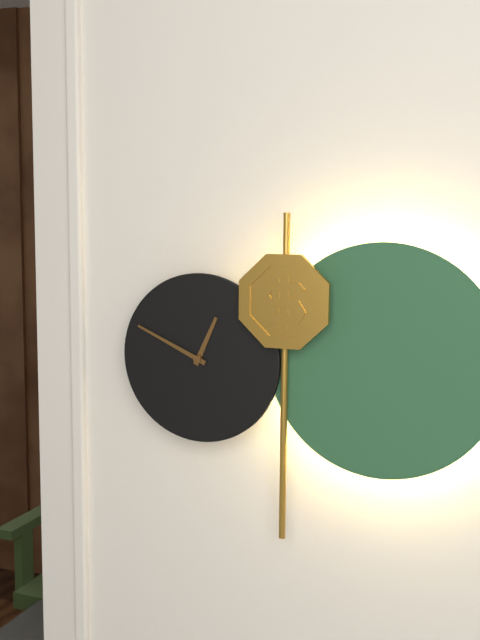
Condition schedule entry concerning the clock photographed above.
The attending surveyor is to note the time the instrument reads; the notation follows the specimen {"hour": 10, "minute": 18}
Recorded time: {"hour": 12, "minute": 49}
